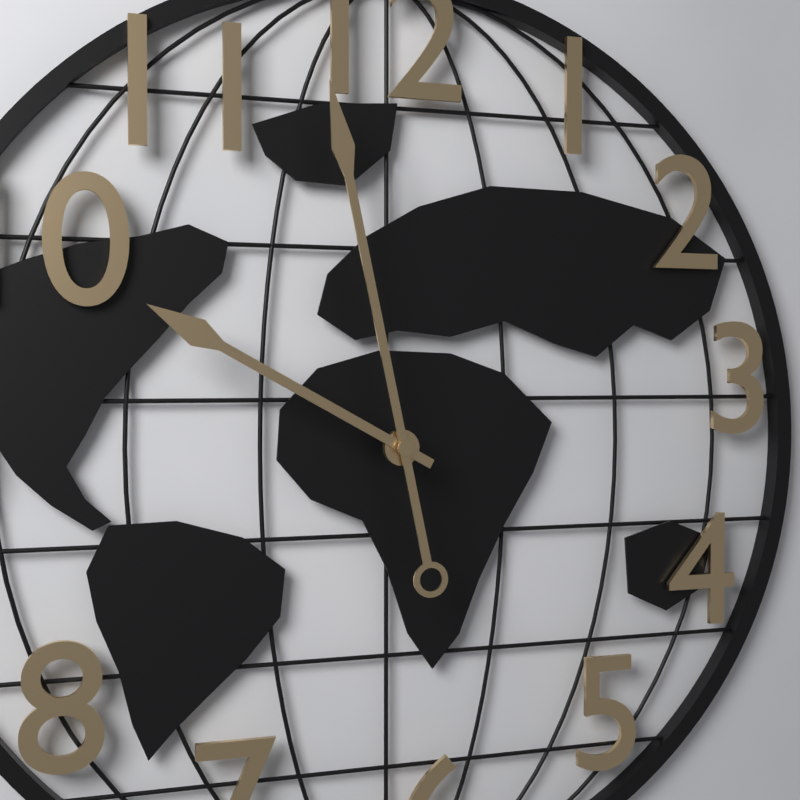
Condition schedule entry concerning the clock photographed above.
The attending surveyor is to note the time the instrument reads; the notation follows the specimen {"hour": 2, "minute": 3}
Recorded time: {"hour": 9, "minute": 58}
